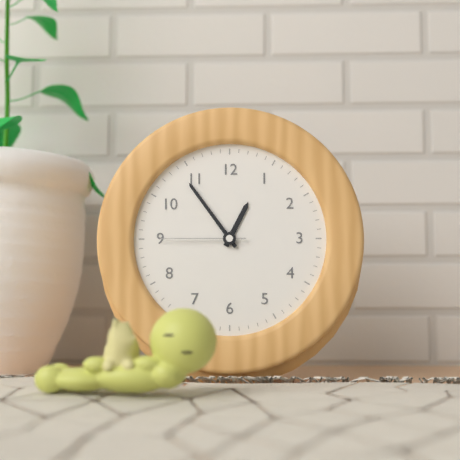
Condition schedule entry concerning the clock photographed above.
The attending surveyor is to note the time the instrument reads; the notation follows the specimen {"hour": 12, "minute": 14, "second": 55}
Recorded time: {"hour": 12, "minute": 54, "second": 45}
